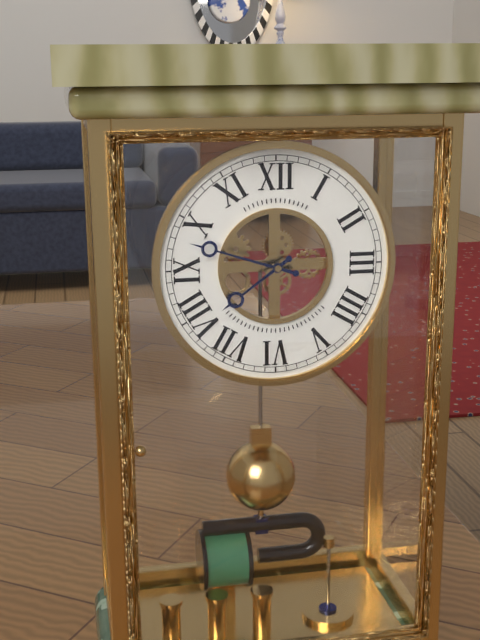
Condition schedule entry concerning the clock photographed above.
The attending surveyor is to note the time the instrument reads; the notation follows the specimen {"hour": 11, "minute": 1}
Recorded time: {"hour": 7, "minute": 48}
